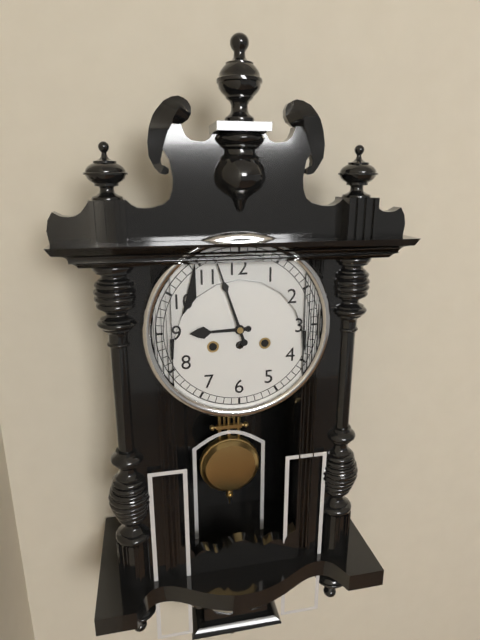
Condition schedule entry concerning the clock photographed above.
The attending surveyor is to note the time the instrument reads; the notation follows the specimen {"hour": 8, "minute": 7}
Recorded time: {"hour": 8, "minute": 57}
